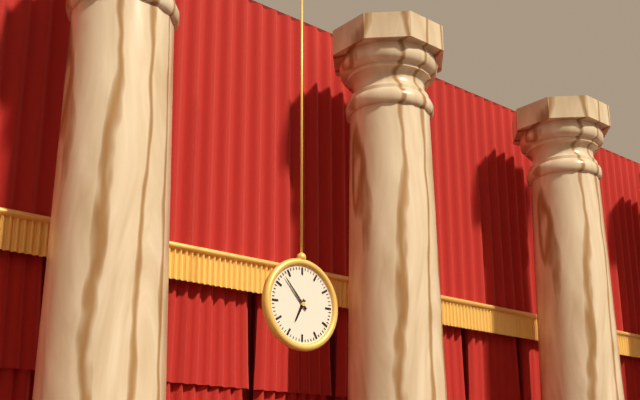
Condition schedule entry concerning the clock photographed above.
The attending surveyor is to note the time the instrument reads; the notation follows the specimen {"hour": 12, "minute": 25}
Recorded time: {"hour": 6, "minute": 53}
